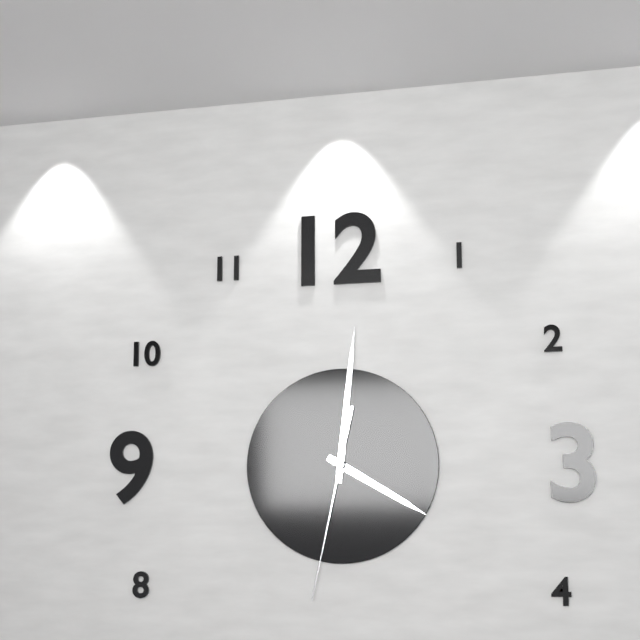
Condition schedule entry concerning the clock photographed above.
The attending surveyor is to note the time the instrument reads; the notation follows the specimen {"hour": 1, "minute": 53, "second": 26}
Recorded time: {"hour": 4, "minute": 1, "second": 32}
